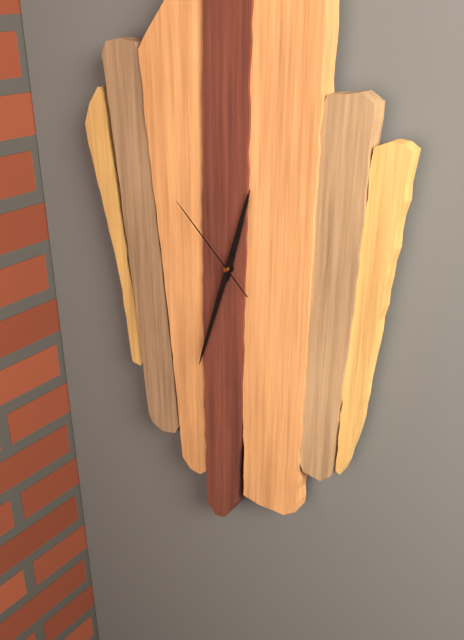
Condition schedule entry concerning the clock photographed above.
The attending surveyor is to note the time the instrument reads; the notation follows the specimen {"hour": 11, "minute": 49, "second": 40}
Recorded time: {"hour": 12, "minute": 33, "second": 52}
